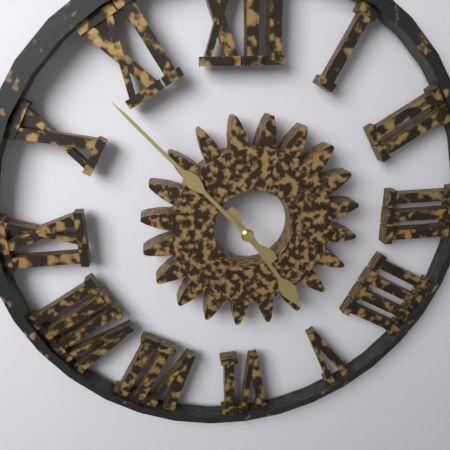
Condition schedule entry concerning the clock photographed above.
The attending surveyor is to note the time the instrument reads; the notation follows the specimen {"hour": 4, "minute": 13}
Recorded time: {"hour": 4, "minute": 53}
